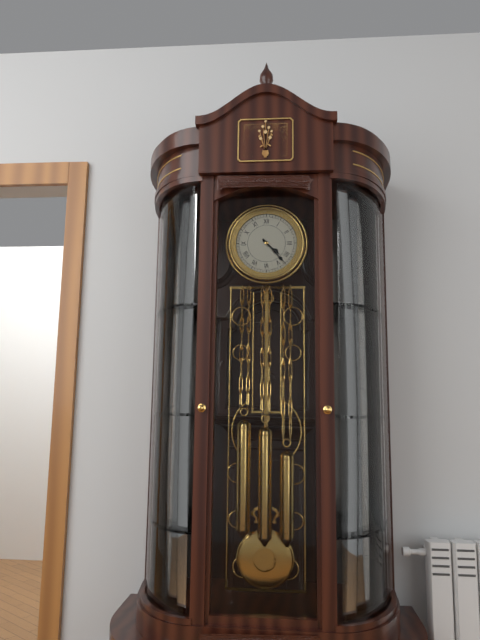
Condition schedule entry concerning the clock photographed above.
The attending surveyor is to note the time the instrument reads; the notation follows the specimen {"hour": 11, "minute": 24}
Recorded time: {"hour": 4, "minute": 23}
